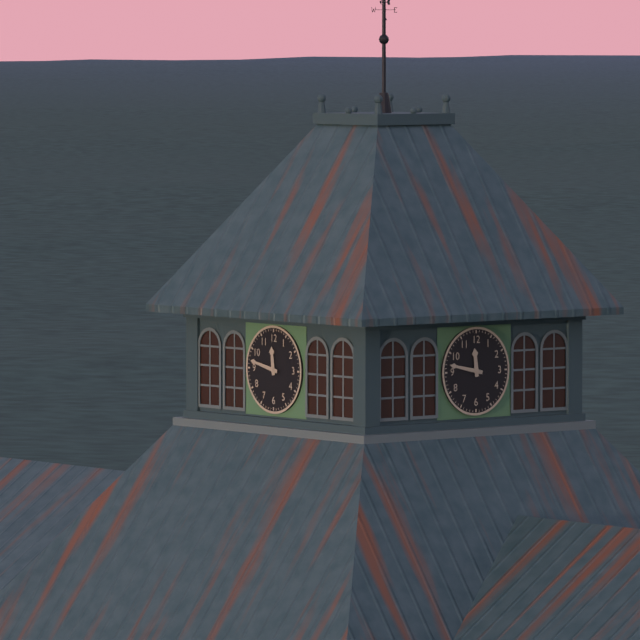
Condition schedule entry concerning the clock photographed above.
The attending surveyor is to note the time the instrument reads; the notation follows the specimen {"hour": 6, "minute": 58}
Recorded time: {"hour": 11, "minute": 47}
